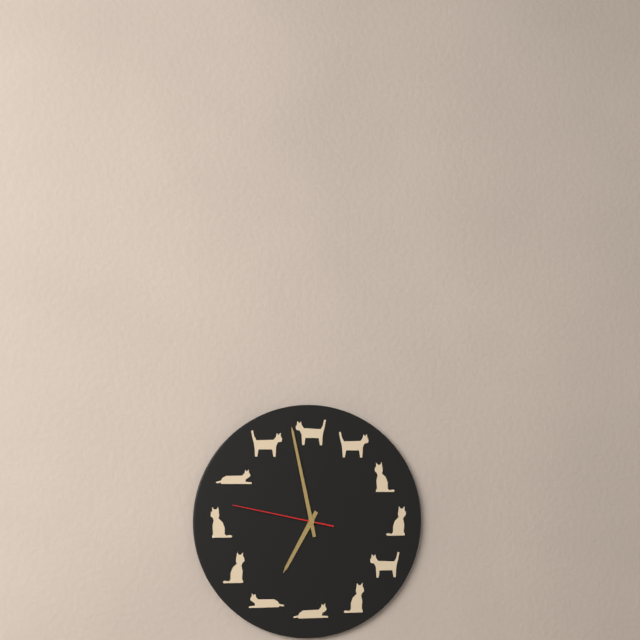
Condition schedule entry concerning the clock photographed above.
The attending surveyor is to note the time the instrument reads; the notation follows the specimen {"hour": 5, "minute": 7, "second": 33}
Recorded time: {"hour": 6, "minute": 58, "second": 47}
